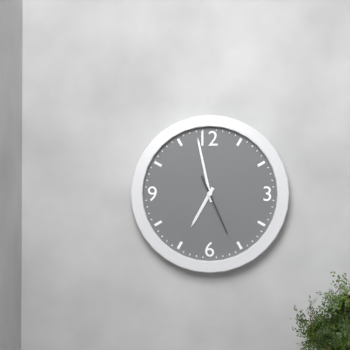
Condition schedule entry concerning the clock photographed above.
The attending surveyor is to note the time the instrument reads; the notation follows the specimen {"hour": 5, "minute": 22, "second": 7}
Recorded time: {"hour": 6, "minute": 58, "second": 26}
